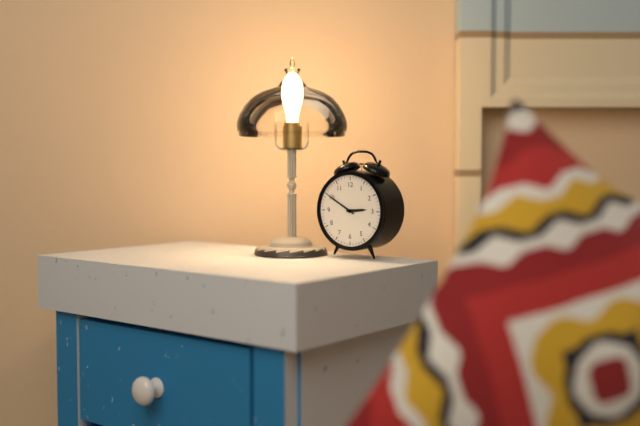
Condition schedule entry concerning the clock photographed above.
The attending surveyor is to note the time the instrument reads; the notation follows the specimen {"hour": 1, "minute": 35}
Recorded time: {"hour": 2, "minute": 50}
